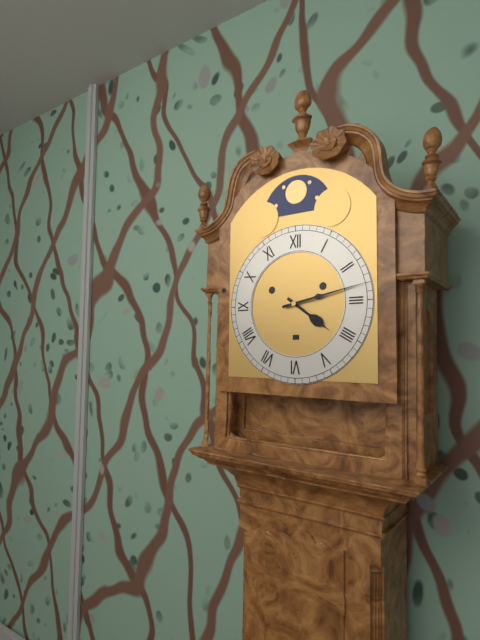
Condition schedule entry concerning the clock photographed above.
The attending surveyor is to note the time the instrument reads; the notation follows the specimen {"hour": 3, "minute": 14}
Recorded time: {"hour": 4, "minute": 13}
